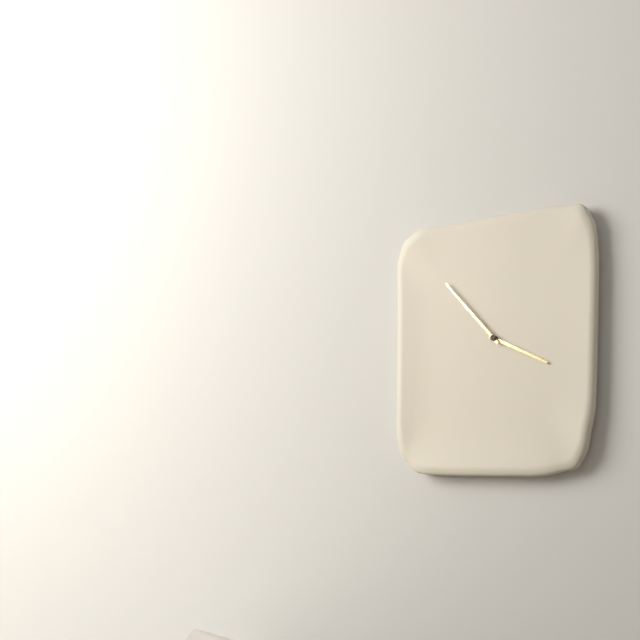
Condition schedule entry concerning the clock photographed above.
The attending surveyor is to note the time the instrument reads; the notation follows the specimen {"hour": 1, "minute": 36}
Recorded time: {"hour": 3, "minute": 53}
